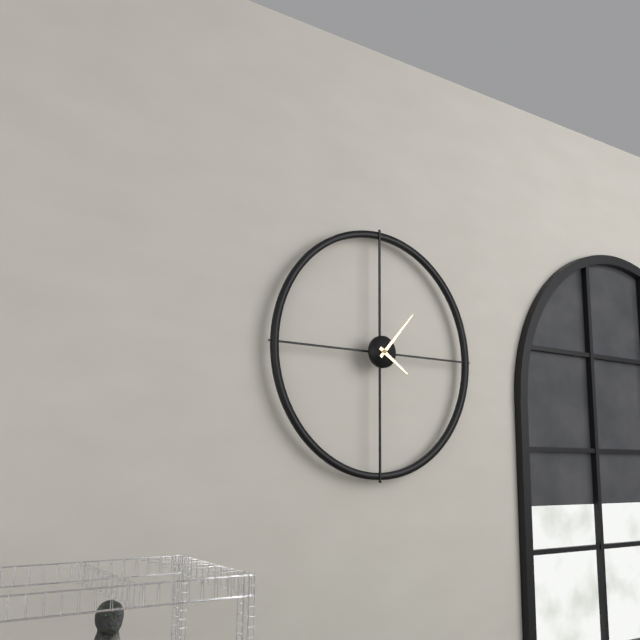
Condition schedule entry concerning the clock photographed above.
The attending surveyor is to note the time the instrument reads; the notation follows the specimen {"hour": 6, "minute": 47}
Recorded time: {"hour": 4, "minute": 7}
